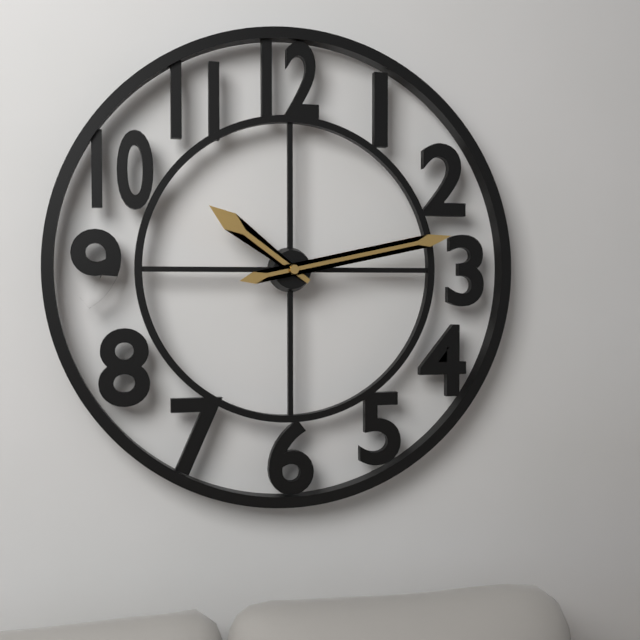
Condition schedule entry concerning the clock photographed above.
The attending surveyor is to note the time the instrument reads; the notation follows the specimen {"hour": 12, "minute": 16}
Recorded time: {"hour": 10, "minute": 13}
